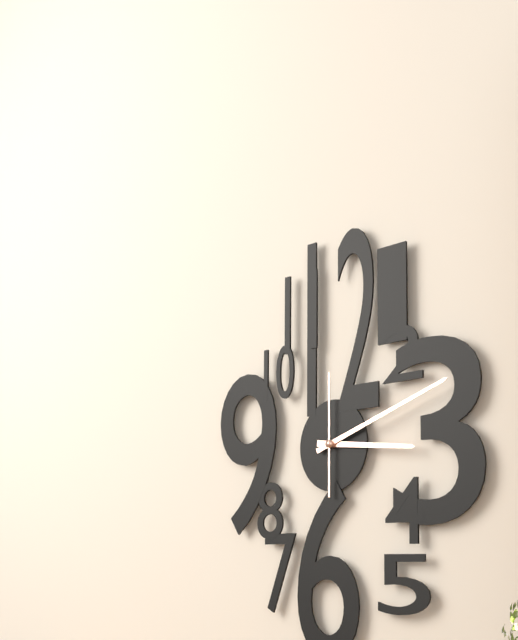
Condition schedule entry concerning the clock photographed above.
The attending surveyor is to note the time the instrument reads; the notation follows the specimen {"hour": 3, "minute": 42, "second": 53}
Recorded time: {"hour": 3, "minute": 12, "second": 0}
